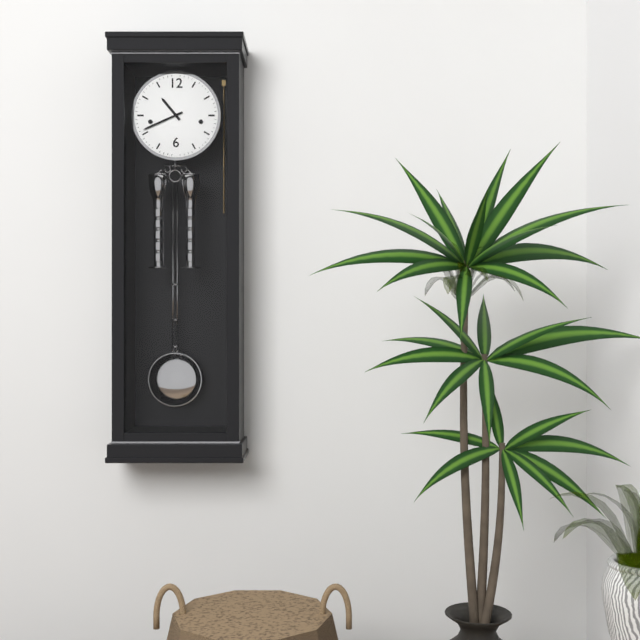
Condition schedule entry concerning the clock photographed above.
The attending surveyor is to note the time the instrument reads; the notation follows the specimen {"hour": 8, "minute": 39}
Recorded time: {"hour": 10, "minute": 41}
